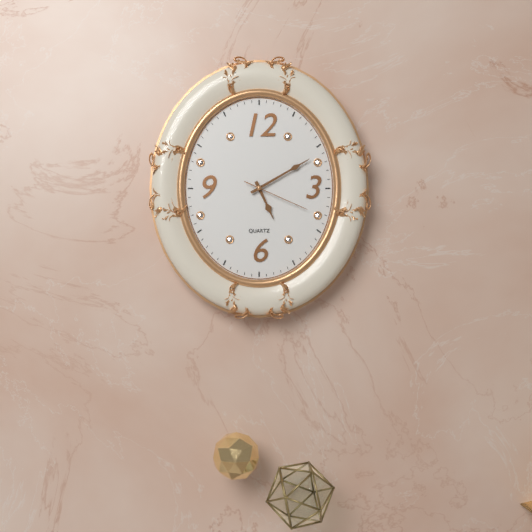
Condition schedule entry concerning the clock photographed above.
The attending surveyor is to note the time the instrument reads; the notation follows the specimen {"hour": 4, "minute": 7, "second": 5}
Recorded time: {"hour": 5, "minute": 10, "second": 19}
